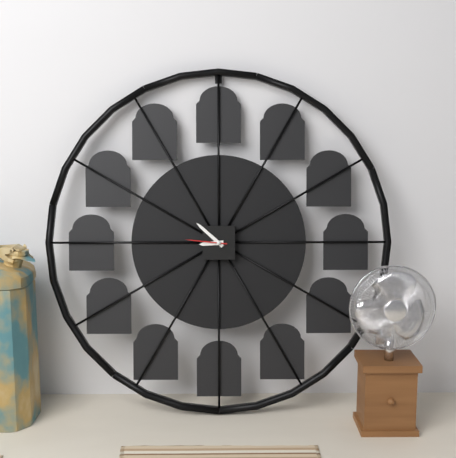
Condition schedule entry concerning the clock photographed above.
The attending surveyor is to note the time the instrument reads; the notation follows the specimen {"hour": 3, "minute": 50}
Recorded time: {"hour": 8, "minute": 52}
